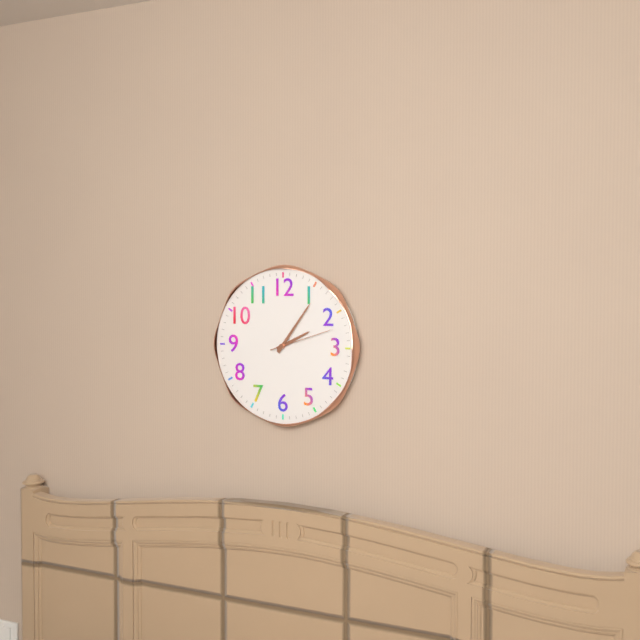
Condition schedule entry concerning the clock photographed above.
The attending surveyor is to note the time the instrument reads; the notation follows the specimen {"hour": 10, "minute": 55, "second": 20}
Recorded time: {"hour": 2, "minute": 6, "second": 12}
